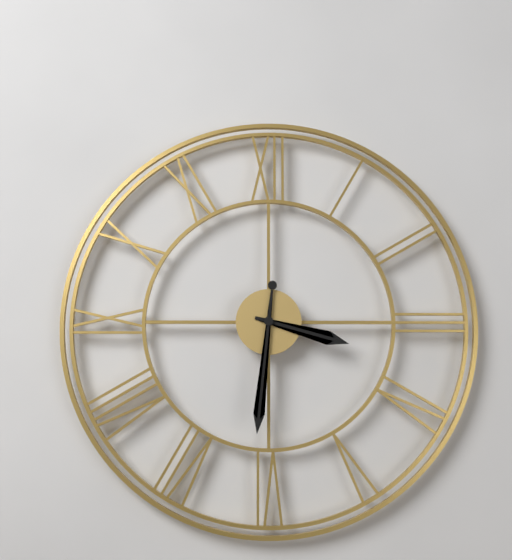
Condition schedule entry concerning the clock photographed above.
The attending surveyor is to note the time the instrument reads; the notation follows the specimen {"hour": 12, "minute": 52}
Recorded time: {"hour": 3, "minute": 31}
